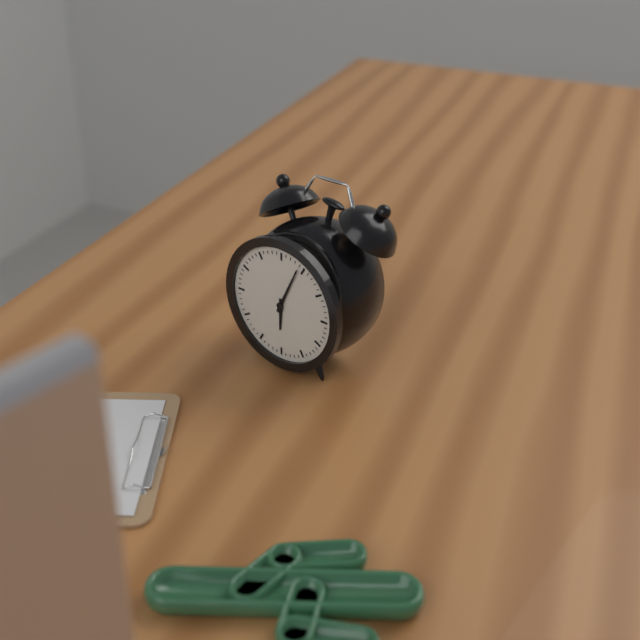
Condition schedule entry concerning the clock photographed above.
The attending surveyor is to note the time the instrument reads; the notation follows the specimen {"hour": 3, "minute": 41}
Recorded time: {"hour": 6, "minute": 4}
